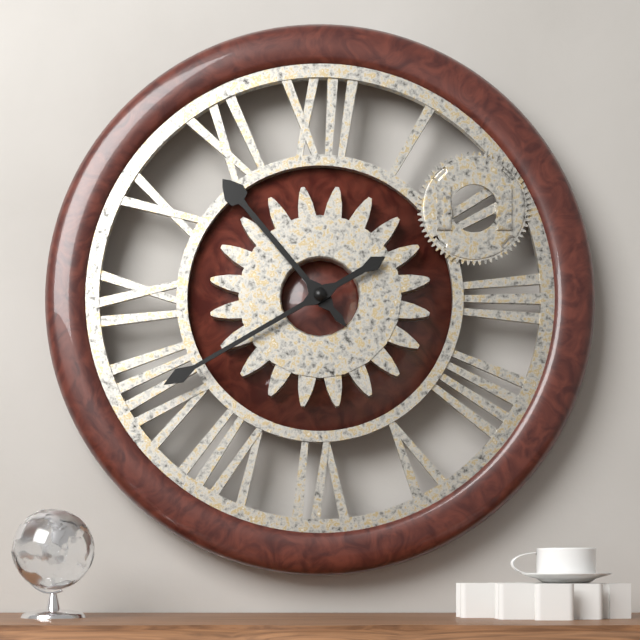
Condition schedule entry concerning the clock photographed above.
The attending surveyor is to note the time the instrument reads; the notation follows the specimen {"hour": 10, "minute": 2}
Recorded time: {"hour": 10, "minute": 40}
